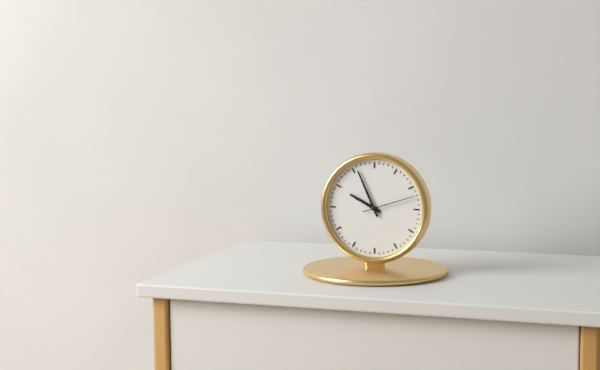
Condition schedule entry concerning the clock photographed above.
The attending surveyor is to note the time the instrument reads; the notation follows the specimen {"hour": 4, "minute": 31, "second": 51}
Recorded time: {"hour": 9, "minute": 56, "second": 12}
